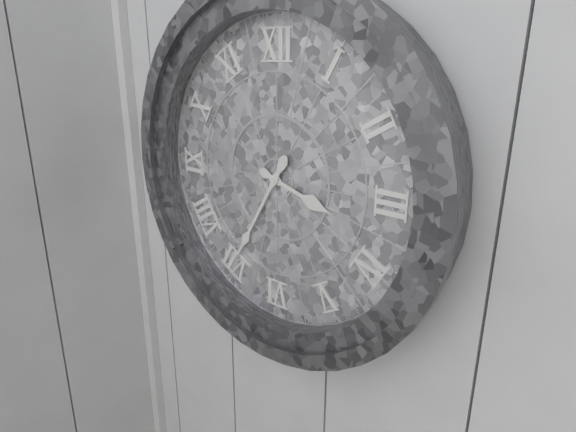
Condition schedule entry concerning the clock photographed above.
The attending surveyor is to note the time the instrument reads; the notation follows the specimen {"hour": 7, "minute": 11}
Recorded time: {"hour": 3, "minute": 35}
